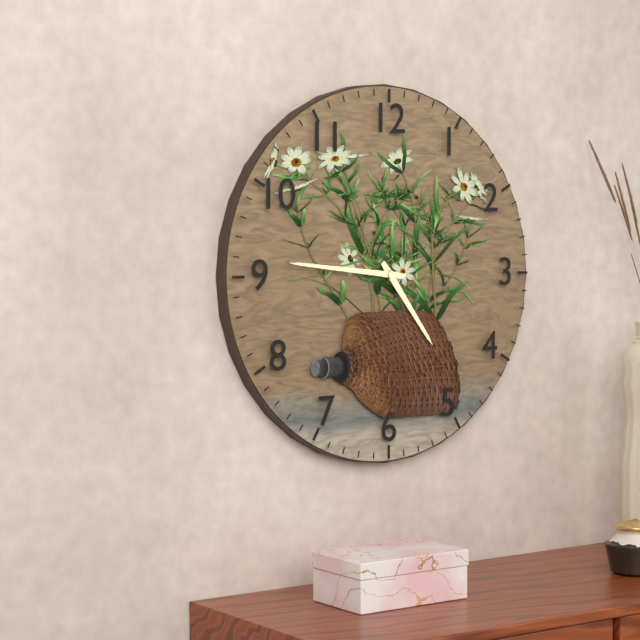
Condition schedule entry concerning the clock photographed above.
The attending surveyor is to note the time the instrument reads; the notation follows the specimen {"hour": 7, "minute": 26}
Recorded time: {"hour": 4, "minute": 46}
